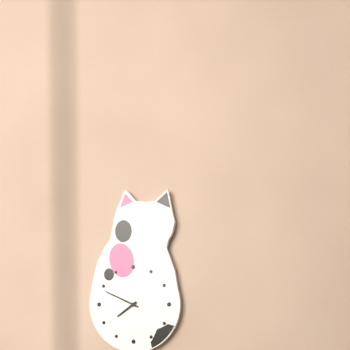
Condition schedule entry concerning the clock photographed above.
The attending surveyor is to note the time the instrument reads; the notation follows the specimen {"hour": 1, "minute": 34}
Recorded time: {"hour": 7, "minute": 49}
